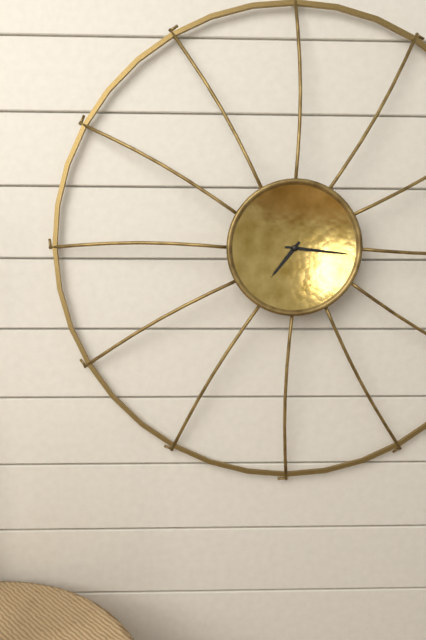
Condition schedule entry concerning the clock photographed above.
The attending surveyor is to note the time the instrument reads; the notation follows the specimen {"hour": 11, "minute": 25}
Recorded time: {"hour": 7, "minute": 16}
